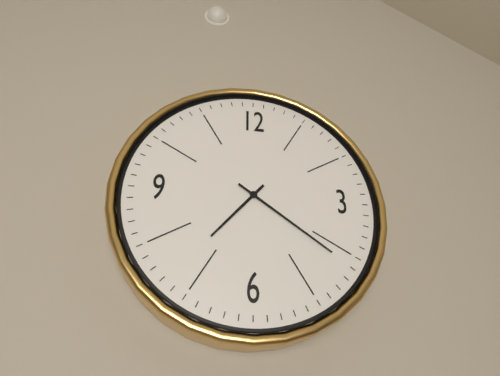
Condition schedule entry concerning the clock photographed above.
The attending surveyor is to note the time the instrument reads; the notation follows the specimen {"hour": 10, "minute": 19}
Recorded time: {"hour": 7, "minute": 21}
